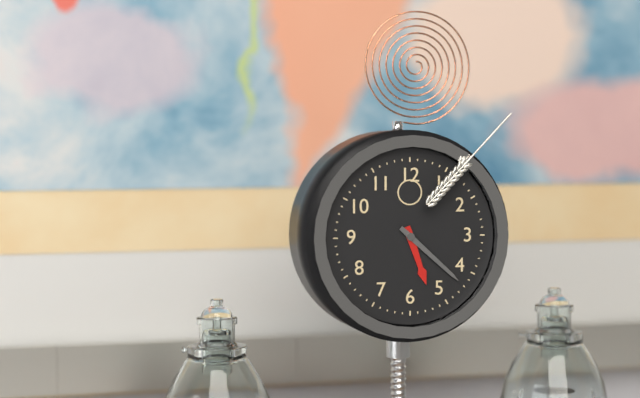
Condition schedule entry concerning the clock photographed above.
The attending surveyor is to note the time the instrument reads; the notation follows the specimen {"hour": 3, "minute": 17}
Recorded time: {"hour": 5, "minute": 22}
